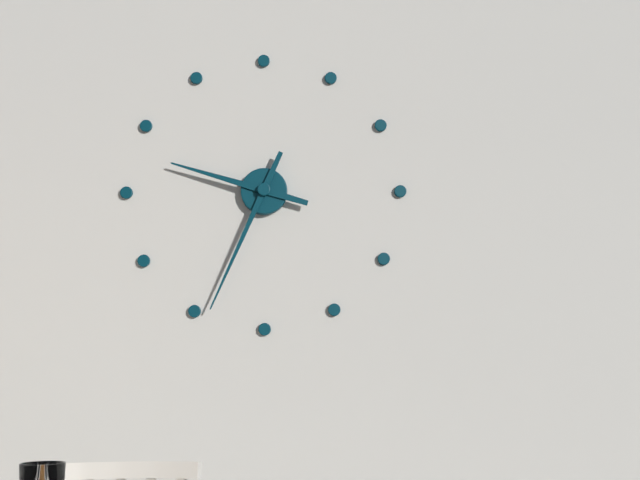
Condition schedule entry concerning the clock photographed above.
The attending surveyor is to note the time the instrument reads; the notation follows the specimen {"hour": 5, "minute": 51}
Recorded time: {"hour": 9, "minute": 34}
